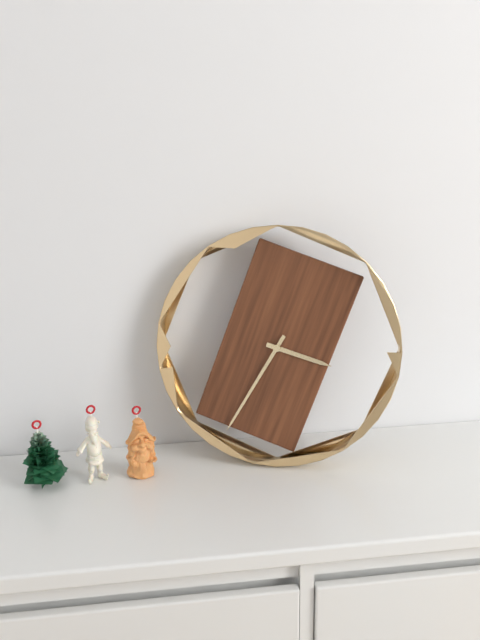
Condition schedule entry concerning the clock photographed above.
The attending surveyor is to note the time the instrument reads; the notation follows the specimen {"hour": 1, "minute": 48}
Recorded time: {"hour": 3, "minute": 35}
